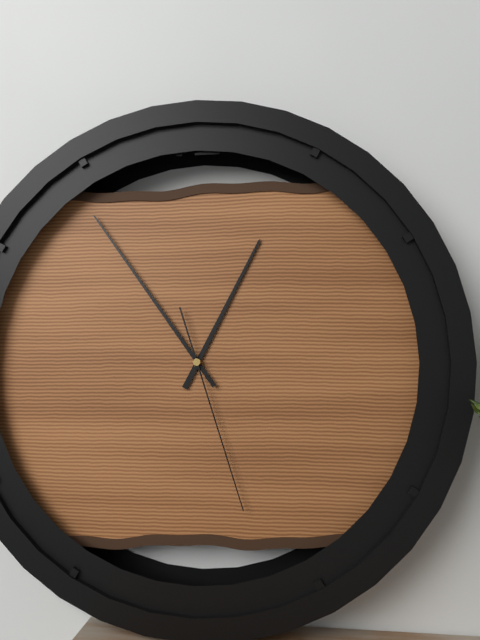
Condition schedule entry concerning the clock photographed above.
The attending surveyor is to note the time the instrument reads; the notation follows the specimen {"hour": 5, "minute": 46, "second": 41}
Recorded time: {"hour": 12, "minute": 54, "second": 27}
